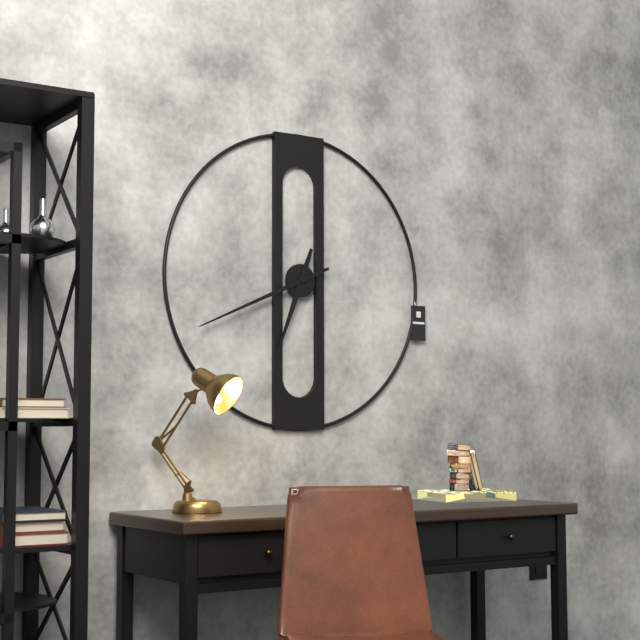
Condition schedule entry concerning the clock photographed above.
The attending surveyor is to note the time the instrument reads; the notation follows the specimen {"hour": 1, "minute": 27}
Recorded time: {"hour": 6, "minute": 41}
